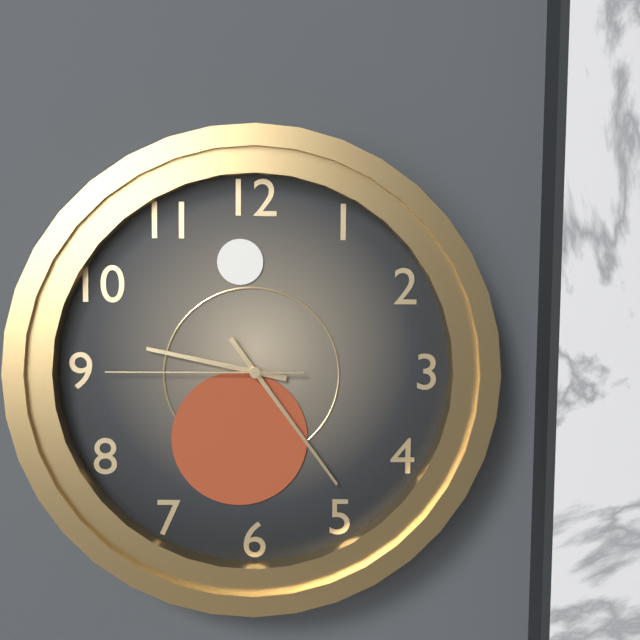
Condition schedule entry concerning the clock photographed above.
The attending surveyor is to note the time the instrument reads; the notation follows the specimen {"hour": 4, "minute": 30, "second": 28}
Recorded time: {"hour": 9, "minute": 24, "second": 45}
